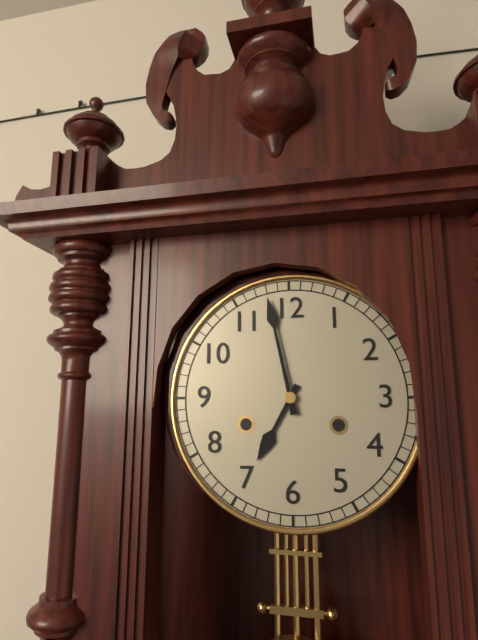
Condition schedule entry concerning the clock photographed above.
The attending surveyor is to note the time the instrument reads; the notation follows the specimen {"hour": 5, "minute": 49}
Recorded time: {"hour": 6, "minute": 58}
